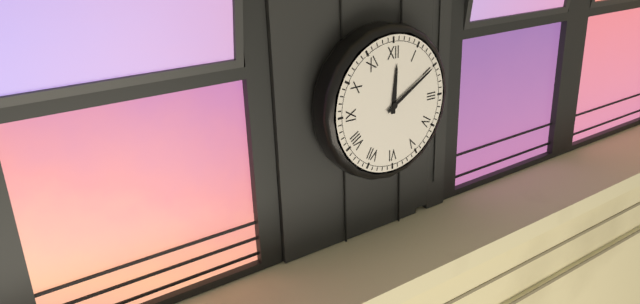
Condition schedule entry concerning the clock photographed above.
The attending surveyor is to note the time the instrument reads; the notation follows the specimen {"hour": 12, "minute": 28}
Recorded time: {"hour": 12, "minute": 10}
